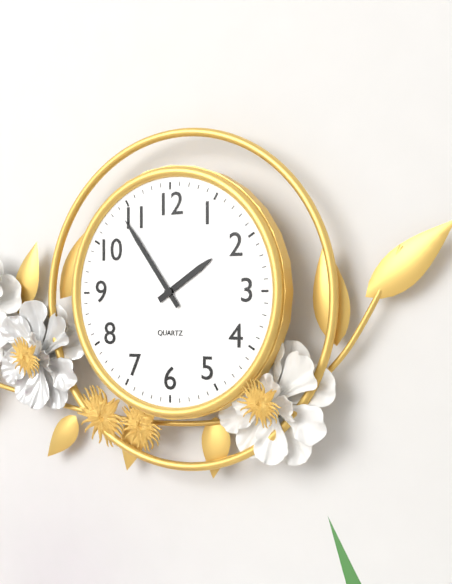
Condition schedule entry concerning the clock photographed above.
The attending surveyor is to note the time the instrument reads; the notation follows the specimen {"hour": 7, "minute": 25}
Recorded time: {"hour": 1, "minute": 54}
